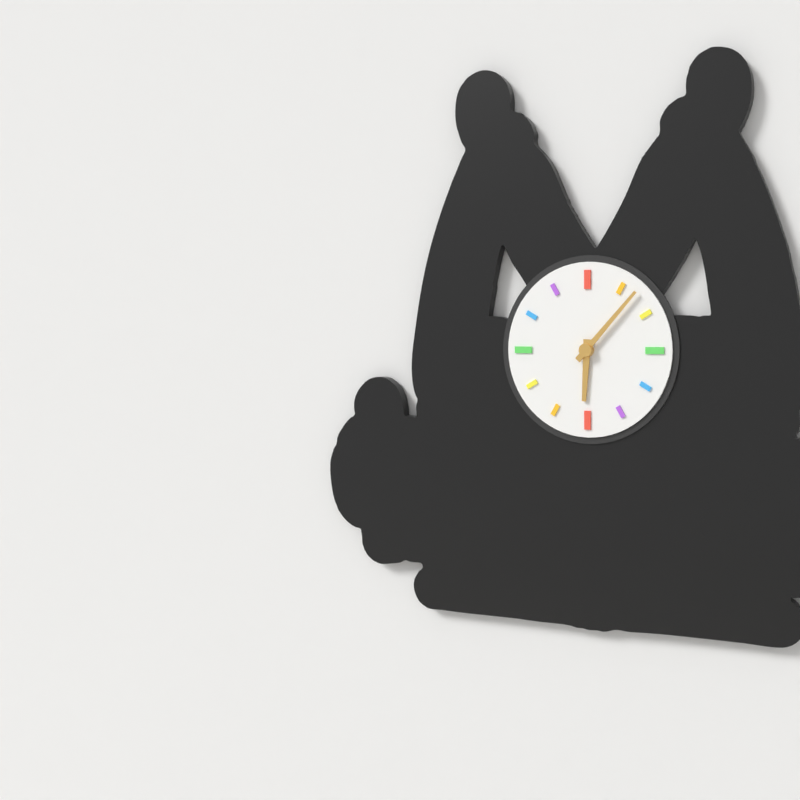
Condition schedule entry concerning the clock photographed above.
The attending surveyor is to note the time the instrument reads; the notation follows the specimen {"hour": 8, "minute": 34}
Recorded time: {"hour": 6, "minute": 7}
